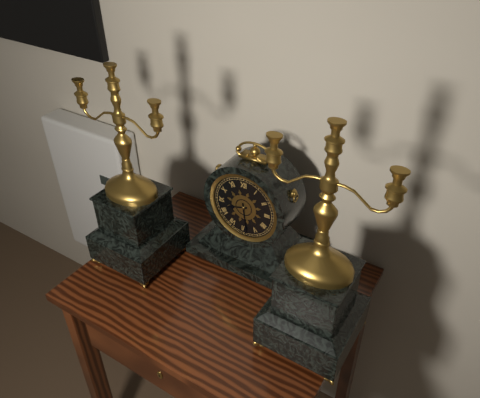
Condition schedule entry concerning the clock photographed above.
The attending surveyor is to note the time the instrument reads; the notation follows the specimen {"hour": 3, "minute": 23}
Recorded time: {"hour": 8, "minute": 29}
